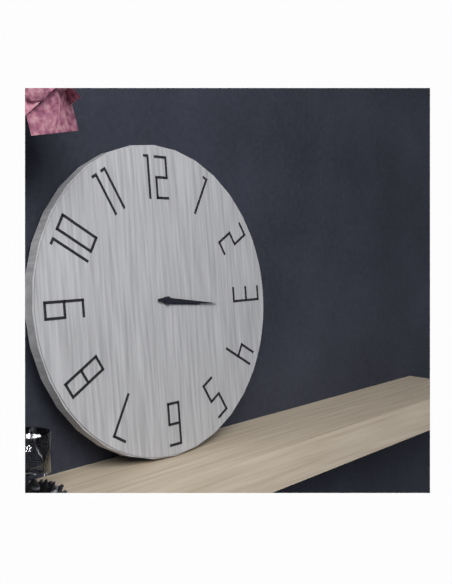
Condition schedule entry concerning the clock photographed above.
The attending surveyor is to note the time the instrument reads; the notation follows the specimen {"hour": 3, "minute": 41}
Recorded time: {"hour": 3, "minute": 16}
